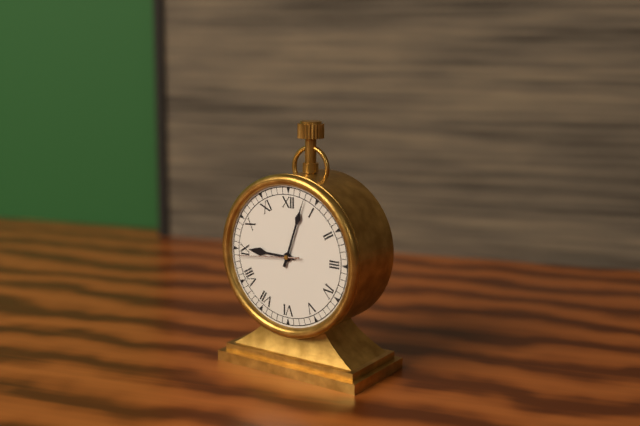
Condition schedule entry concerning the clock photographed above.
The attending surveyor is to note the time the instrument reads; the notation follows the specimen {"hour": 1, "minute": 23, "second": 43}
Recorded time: {"hour": 9, "minute": 3, "second": 44}
